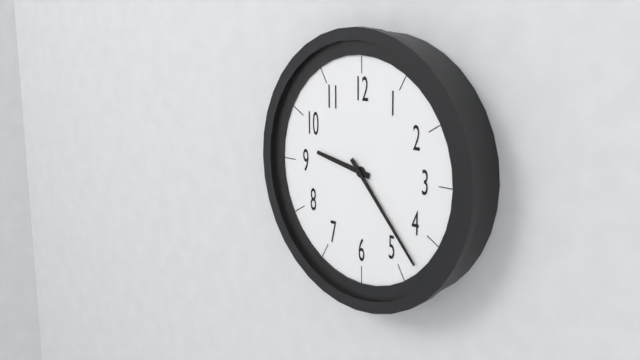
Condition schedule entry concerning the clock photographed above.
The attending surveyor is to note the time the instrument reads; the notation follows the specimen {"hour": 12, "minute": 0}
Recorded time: {"hour": 9, "minute": 23}
